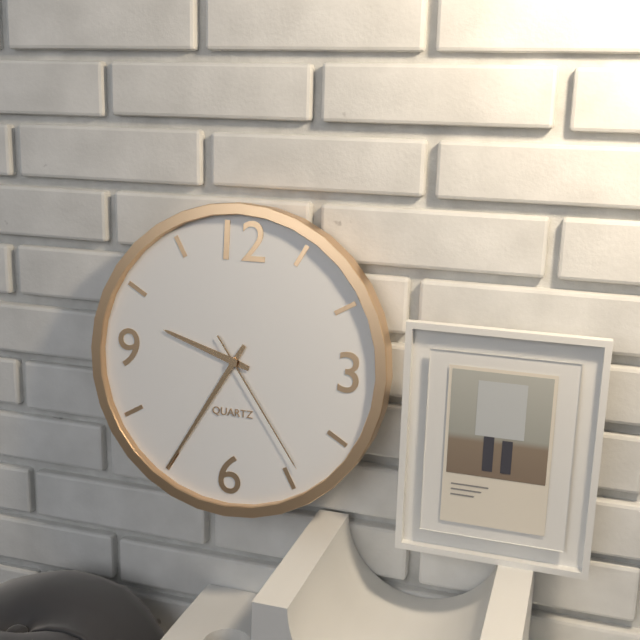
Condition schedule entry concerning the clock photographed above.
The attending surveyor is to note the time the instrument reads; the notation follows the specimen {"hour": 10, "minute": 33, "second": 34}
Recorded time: {"hour": 9, "minute": 35, "second": 24}
